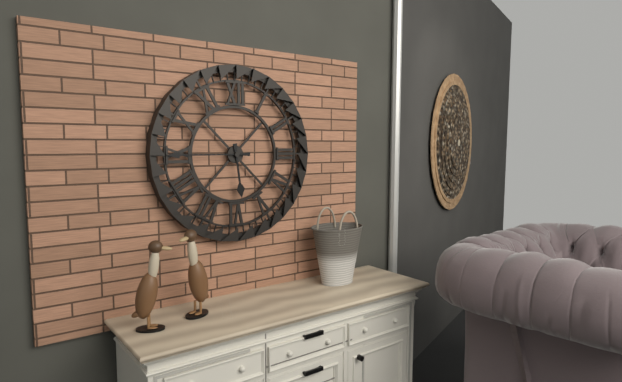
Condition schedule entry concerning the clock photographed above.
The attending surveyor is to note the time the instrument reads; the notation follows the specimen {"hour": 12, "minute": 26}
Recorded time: {"hour": 5, "minute": 45}
